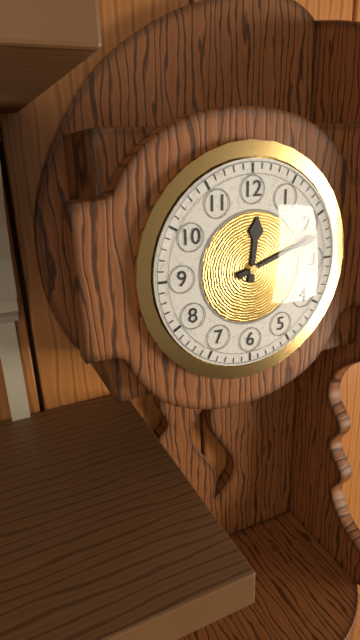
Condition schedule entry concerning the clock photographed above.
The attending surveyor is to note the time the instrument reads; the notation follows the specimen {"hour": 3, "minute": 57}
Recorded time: {"hour": 12, "minute": 12}
